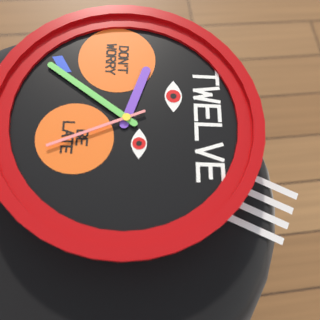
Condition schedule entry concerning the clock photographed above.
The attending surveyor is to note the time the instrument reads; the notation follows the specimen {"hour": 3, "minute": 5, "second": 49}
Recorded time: {"hour": 9, "minute": 36, "second": 26}
